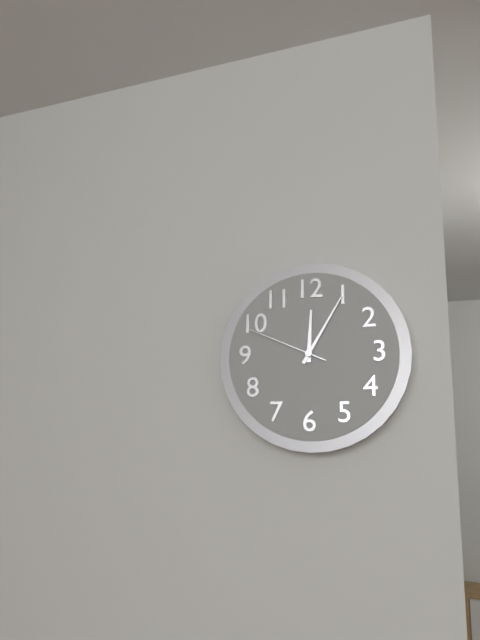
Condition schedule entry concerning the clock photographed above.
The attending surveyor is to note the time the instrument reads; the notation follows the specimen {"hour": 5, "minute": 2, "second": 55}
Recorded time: {"hour": 12, "minute": 5, "second": 49}
